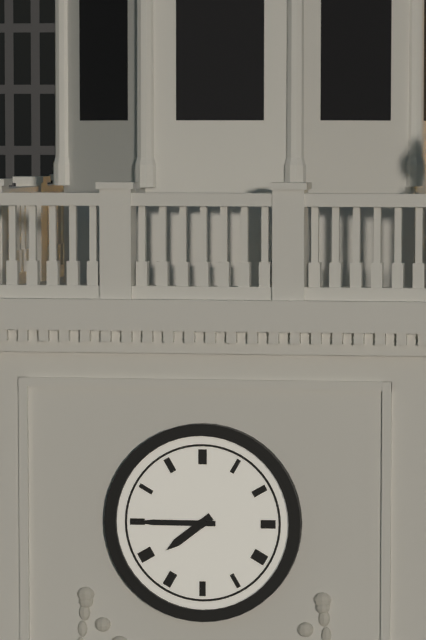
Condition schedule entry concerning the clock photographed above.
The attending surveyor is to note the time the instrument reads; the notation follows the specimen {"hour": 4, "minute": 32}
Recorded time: {"hour": 7, "minute": 45}
